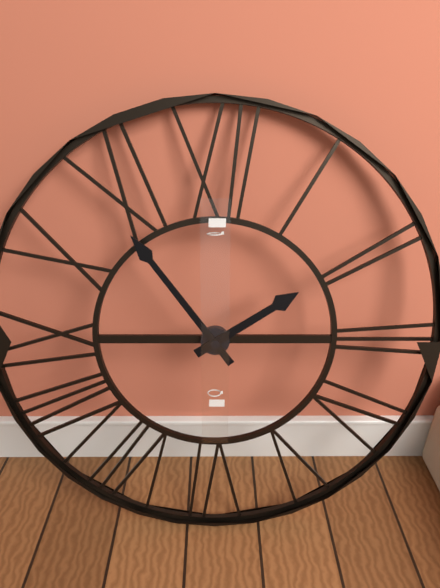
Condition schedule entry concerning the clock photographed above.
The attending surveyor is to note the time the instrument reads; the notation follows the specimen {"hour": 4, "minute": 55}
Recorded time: {"hour": 1, "minute": 54}
